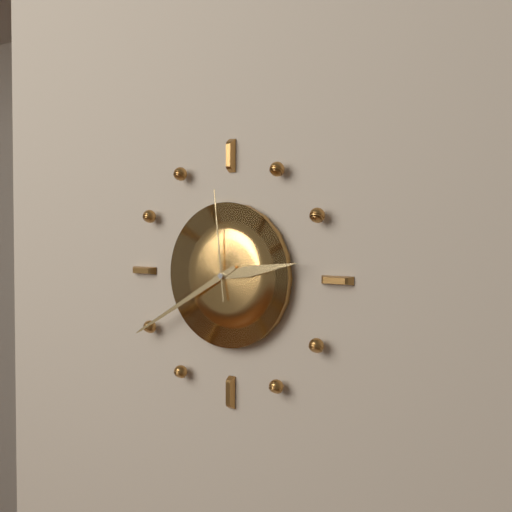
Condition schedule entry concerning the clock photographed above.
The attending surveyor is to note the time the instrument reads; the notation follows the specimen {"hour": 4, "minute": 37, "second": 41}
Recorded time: {"hour": 2, "minute": 40, "second": 59}
